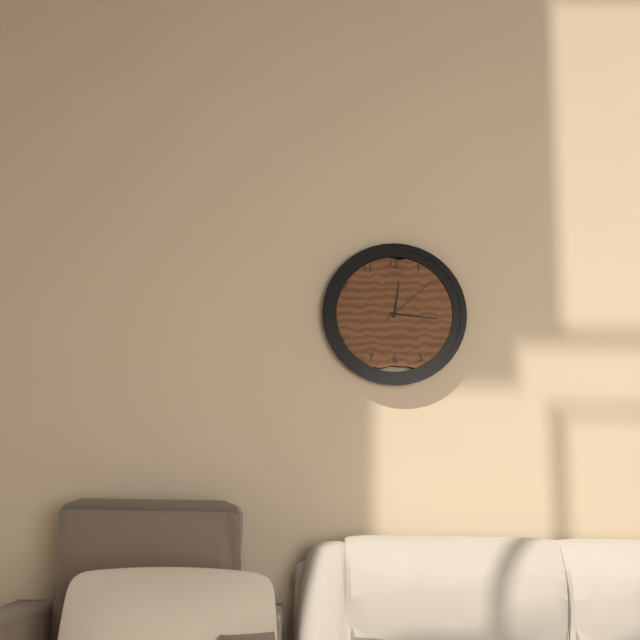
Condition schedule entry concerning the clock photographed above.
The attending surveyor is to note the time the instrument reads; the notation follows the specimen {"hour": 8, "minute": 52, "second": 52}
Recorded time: {"hour": 12, "minute": 16, "second": 8}
